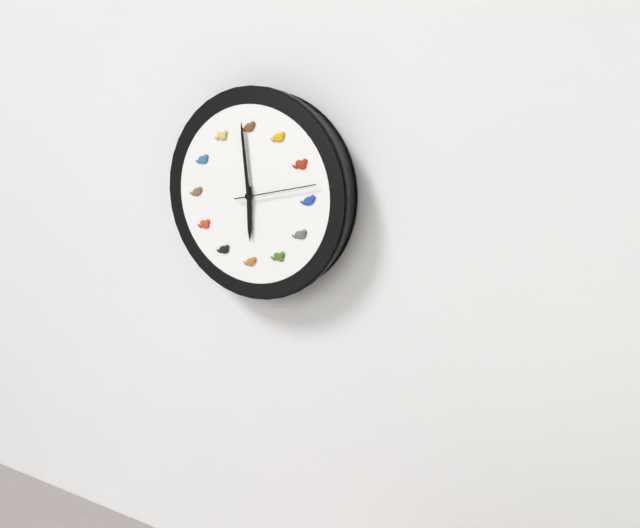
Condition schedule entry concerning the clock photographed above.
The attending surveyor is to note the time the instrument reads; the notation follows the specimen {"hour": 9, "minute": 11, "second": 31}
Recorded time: {"hour": 5, "minute": 59, "second": 13}
